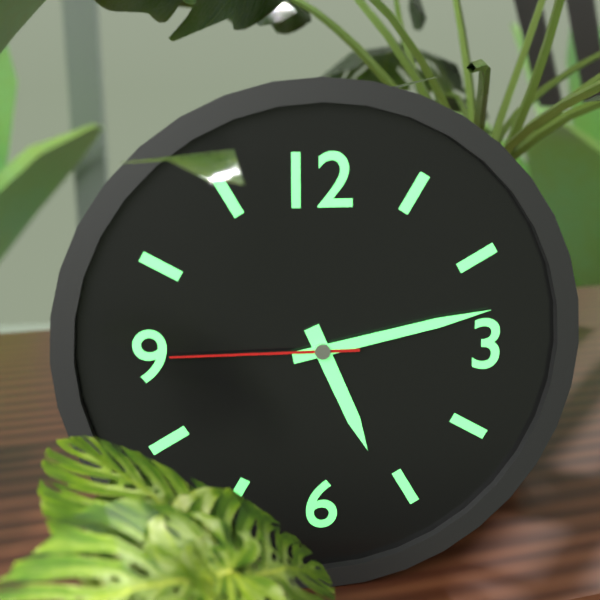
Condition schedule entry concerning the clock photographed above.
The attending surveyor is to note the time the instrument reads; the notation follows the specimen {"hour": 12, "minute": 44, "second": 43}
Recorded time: {"hour": 5, "minute": 13, "second": 45}
